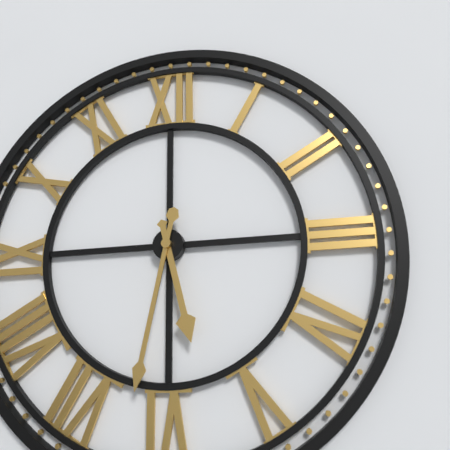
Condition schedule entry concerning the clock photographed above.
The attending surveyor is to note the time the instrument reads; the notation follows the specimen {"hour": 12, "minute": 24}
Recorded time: {"hour": 5, "minute": 32}
